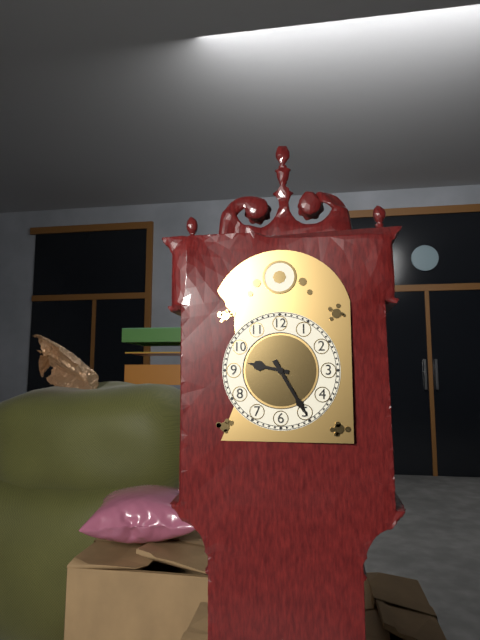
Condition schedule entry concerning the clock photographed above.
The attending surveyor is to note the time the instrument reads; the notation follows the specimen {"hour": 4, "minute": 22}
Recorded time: {"hour": 9, "minute": 25}
